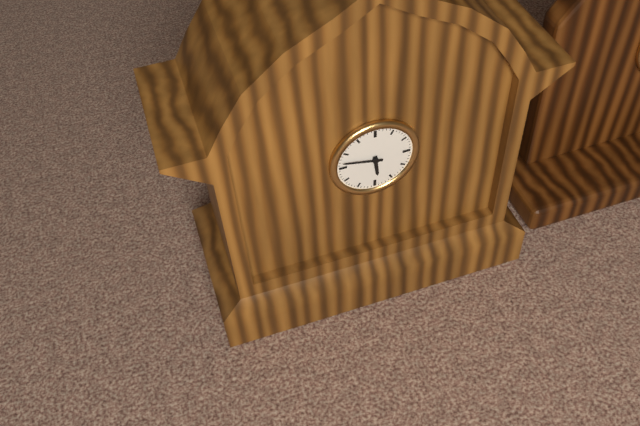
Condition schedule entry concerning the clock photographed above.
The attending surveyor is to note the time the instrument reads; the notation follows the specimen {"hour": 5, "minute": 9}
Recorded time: {"hour": 5, "minute": 47}
